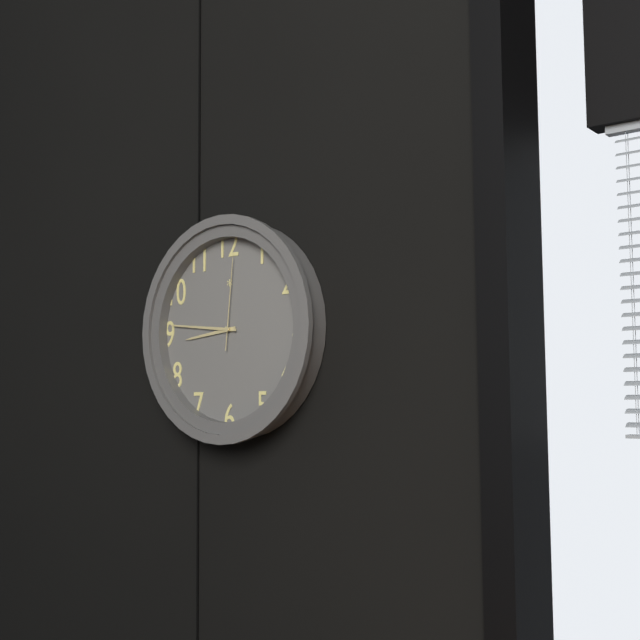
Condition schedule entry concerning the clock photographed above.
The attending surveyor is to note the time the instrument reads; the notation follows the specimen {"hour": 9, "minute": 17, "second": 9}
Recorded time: {"hour": 8, "minute": 46, "second": 1}
